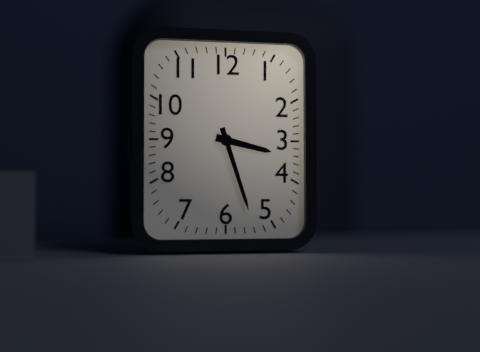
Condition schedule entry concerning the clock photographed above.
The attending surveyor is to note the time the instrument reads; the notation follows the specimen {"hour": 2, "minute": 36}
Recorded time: {"hour": 3, "minute": 27}
